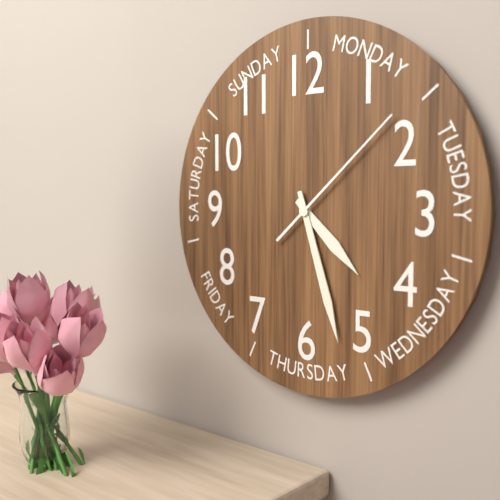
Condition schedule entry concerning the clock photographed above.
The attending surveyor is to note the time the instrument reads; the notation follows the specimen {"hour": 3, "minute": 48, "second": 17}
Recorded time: {"hour": 4, "minute": 27, "second": 8}
